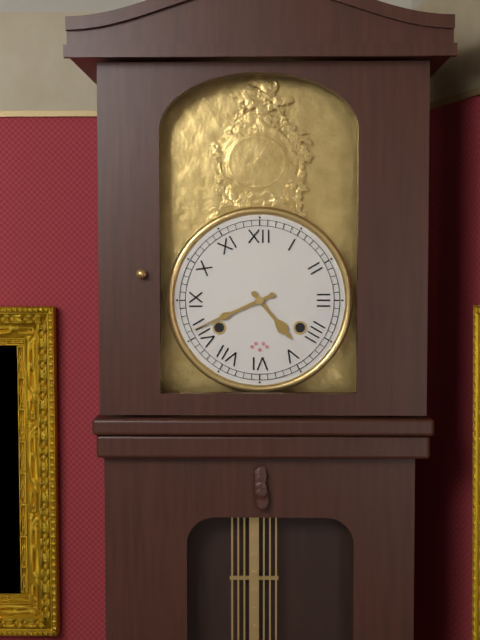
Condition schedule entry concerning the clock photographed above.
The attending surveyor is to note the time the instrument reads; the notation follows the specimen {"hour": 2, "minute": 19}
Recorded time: {"hour": 4, "minute": 41}
